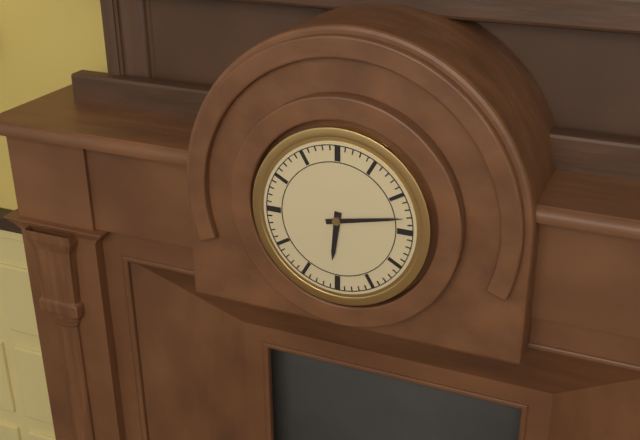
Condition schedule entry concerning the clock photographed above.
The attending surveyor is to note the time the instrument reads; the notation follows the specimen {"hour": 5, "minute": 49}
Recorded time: {"hour": 6, "minute": 13}
